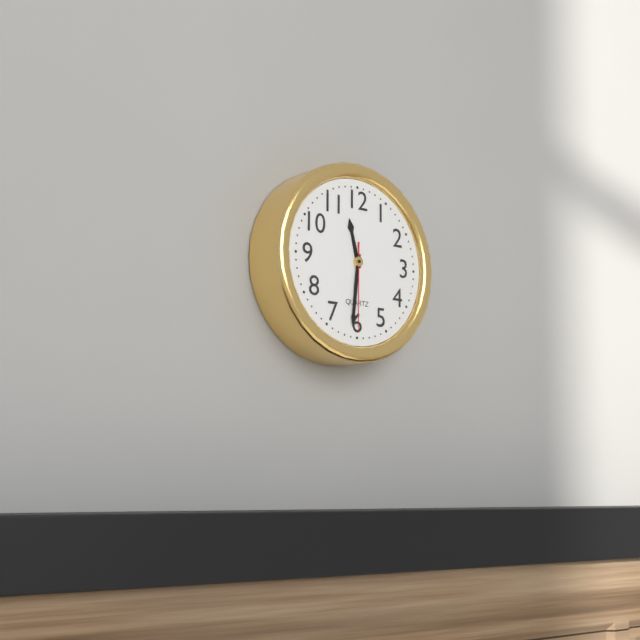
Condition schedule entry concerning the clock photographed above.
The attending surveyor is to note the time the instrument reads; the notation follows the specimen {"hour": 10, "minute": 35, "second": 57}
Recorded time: {"hour": 11, "minute": 31, "second": 30}
